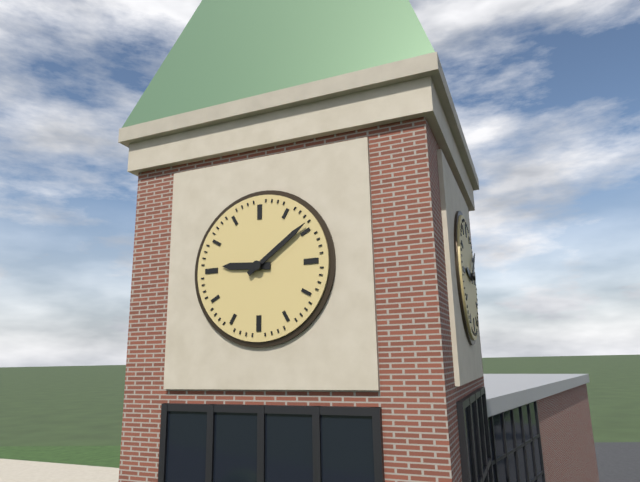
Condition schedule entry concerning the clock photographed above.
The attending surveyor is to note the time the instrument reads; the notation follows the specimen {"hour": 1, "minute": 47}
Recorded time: {"hour": 9, "minute": 9}
